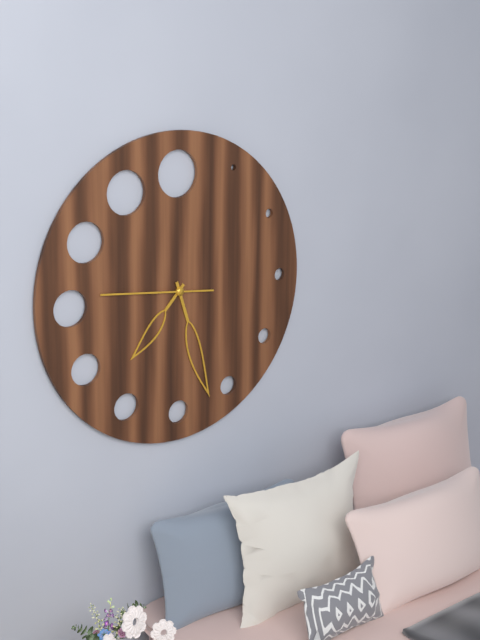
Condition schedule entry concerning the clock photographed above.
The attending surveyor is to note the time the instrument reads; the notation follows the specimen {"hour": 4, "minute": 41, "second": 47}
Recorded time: {"hour": 7, "minute": 27, "second": 46}
